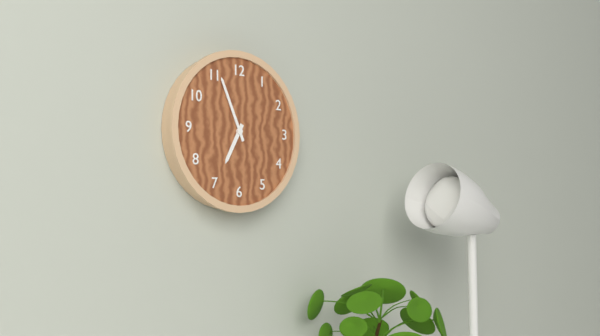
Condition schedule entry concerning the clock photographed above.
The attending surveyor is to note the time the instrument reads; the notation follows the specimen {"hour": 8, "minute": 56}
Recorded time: {"hour": 6, "minute": 56}
